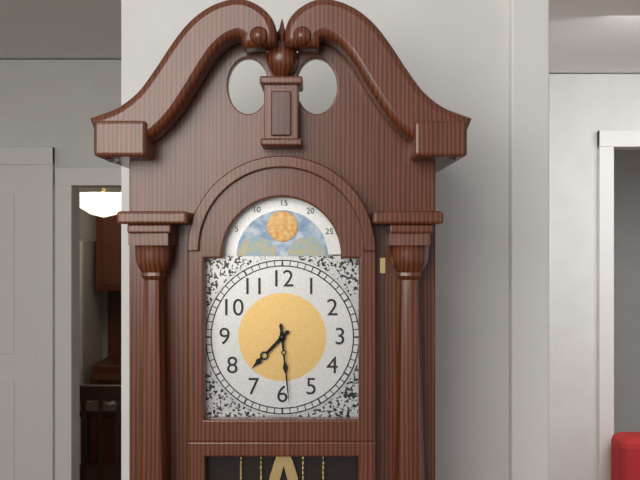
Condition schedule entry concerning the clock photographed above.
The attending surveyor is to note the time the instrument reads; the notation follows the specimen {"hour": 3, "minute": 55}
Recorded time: {"hour": 7, "minute": 29}
